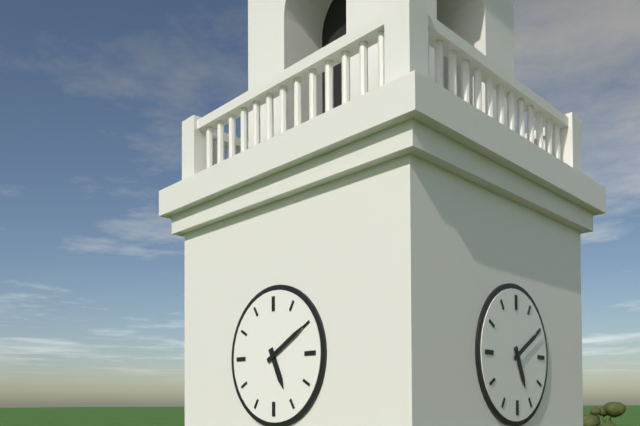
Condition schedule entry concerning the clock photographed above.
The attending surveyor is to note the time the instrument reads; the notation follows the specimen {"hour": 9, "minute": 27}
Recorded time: {"hour": 5, "minute": 10}
